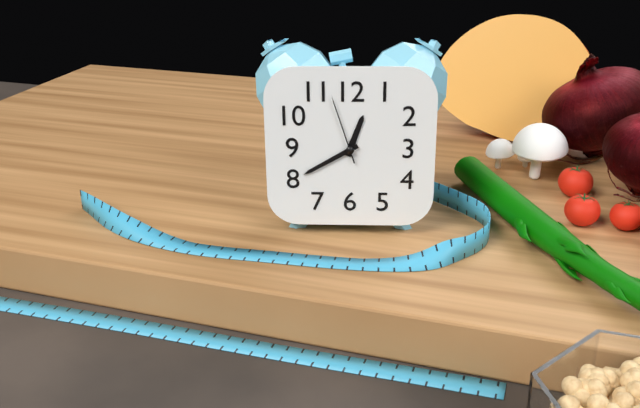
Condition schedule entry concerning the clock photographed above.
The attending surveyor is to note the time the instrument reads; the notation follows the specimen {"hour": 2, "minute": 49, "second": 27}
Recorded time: {"hour": 12, "minute": 40, "second": 57}
